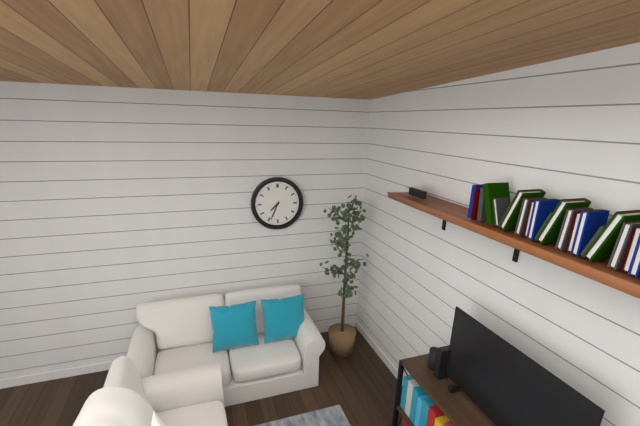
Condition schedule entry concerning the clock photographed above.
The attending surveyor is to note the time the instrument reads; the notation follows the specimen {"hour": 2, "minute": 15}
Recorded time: {"hour": 7, "minute": 34}
